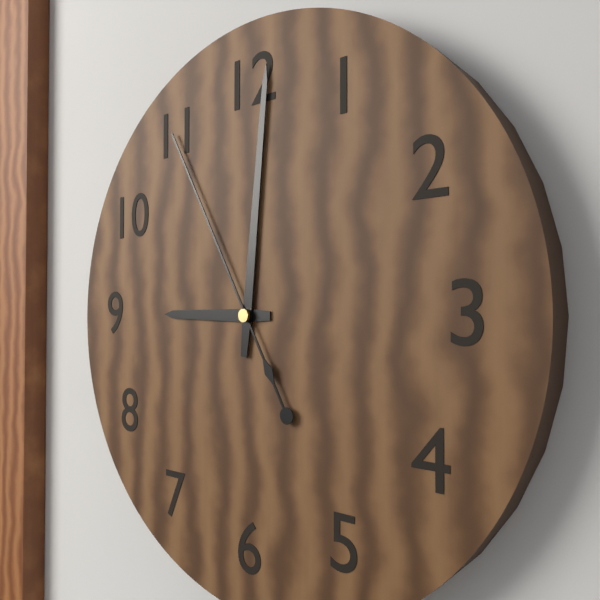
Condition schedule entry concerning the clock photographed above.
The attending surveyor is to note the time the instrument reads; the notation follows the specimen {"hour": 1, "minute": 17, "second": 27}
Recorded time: {"hour": 9, "minute": 1, "second": 55}
